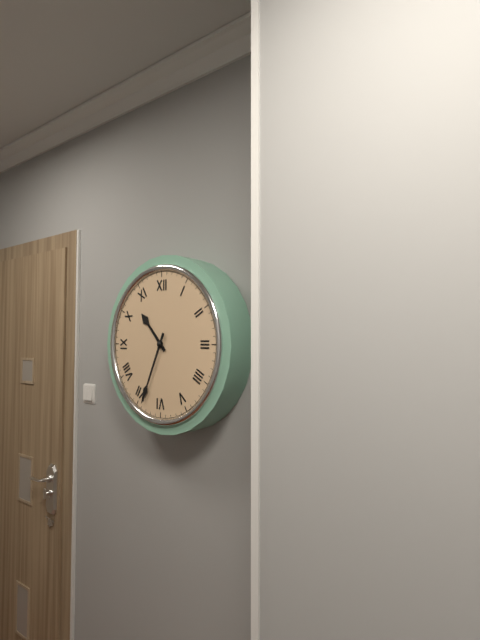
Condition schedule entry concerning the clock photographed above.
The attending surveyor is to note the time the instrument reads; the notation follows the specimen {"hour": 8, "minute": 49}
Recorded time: {"hour": 10, "minute": 34}
